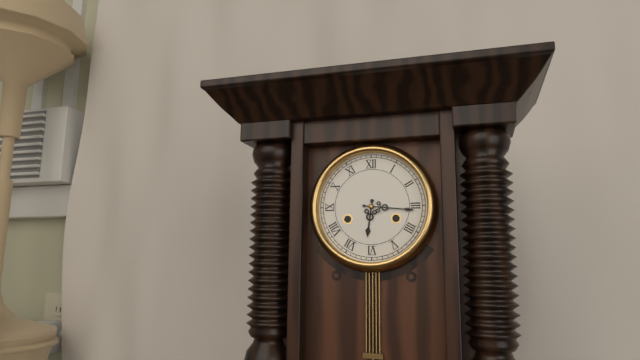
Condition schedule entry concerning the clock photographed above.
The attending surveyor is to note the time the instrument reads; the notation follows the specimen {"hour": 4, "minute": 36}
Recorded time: {"hour": 6, "minute": 16}
